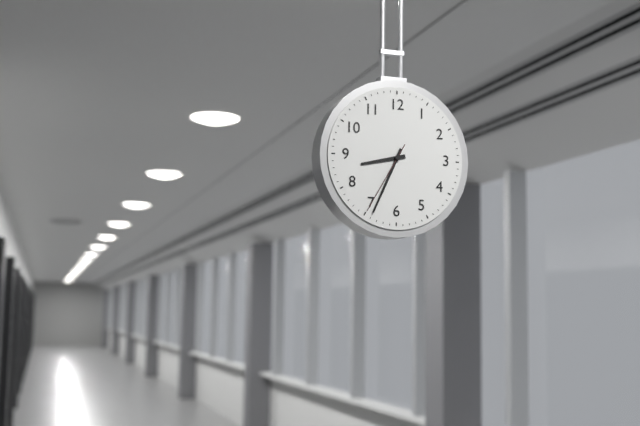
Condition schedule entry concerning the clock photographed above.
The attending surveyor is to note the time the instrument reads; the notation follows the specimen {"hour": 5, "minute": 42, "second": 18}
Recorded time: {"hour": 8, "minute": 34, "second": 35}
